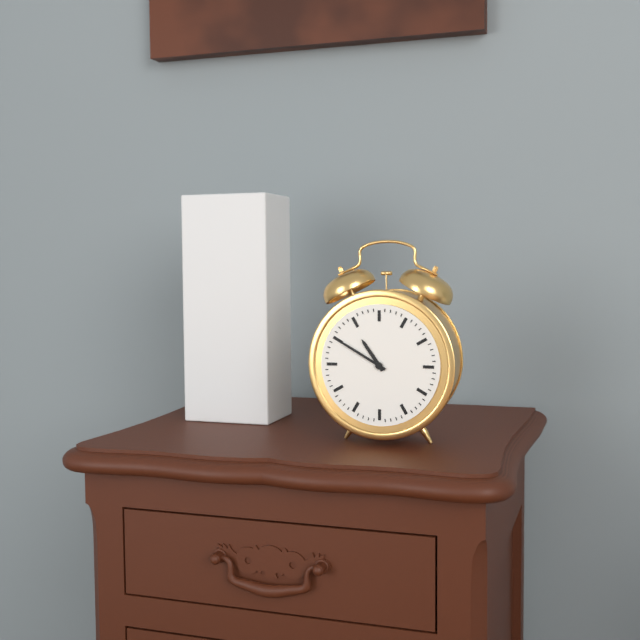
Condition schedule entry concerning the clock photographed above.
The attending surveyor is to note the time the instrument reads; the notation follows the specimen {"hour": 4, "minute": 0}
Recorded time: {"hour": 10, "minute": 50}
